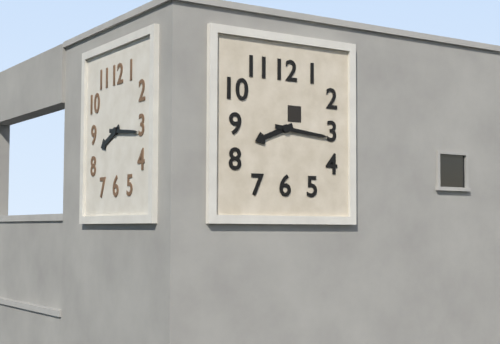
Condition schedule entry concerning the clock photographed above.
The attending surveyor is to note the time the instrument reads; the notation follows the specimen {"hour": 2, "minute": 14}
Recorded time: {"hour": 8, "minute": 16}
